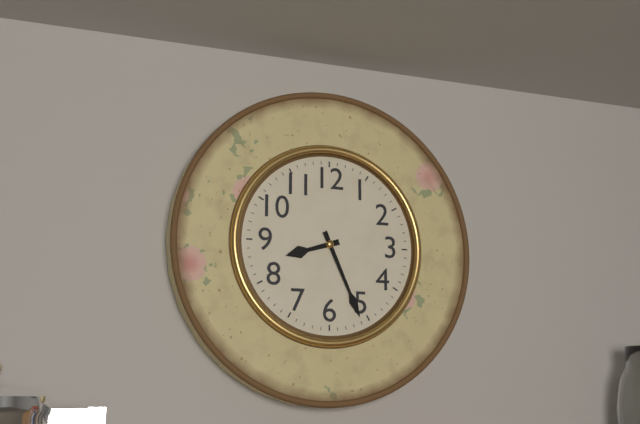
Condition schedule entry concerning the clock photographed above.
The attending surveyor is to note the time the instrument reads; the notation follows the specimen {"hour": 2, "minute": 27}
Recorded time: {"hour": 8, "minute": 26}
